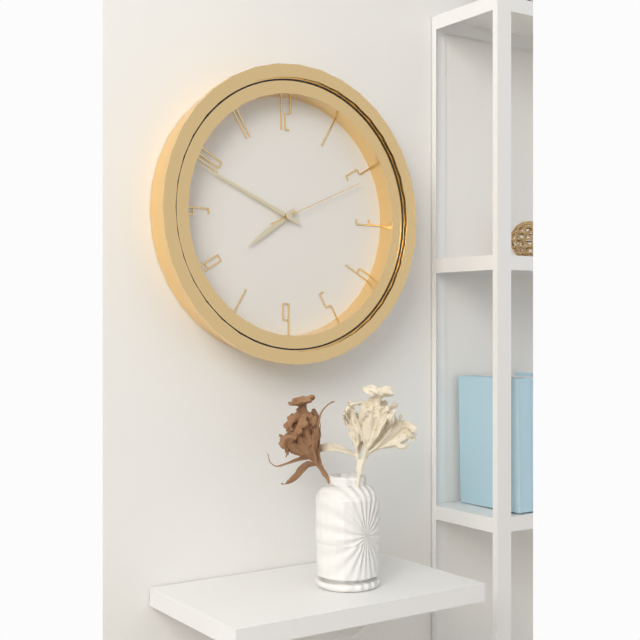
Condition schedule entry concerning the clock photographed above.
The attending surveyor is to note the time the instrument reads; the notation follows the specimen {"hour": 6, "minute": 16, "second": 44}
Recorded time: {"hour": 7, "minute": 49, "second": 11}
